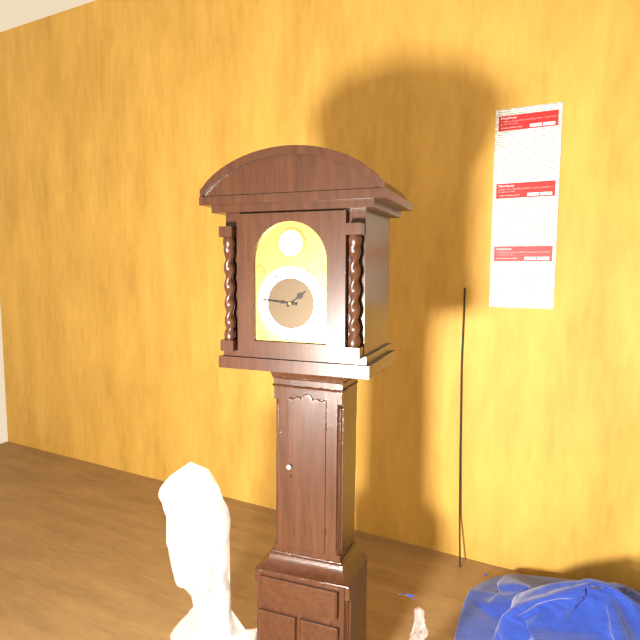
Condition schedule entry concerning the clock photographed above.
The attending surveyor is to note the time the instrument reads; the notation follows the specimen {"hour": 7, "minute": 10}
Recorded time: {"hour": 1, "minute": 46}
